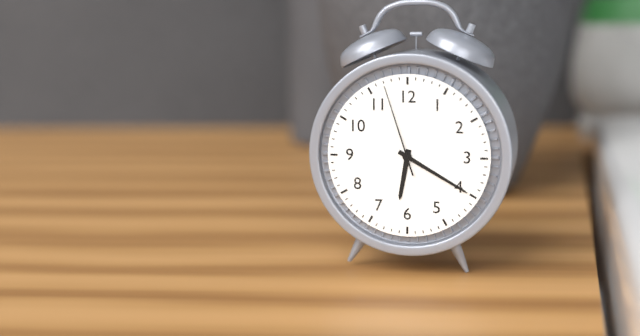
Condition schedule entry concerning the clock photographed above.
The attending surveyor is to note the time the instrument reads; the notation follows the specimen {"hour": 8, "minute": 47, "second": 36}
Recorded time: {"hour": 6, "minute": 20, "second": 57}
